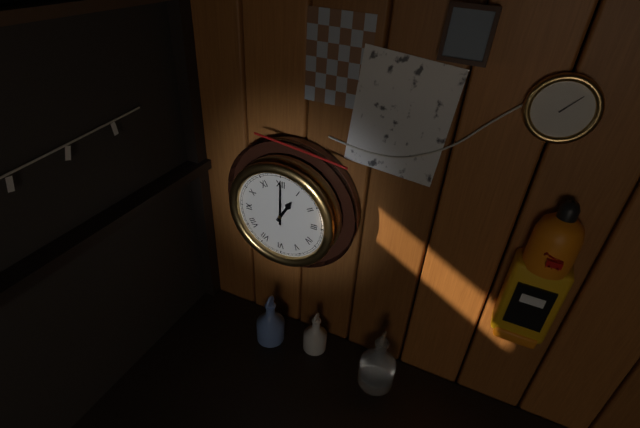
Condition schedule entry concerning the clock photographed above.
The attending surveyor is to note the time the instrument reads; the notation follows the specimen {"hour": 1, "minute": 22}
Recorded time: {"hour": 1, "minute": 0}
